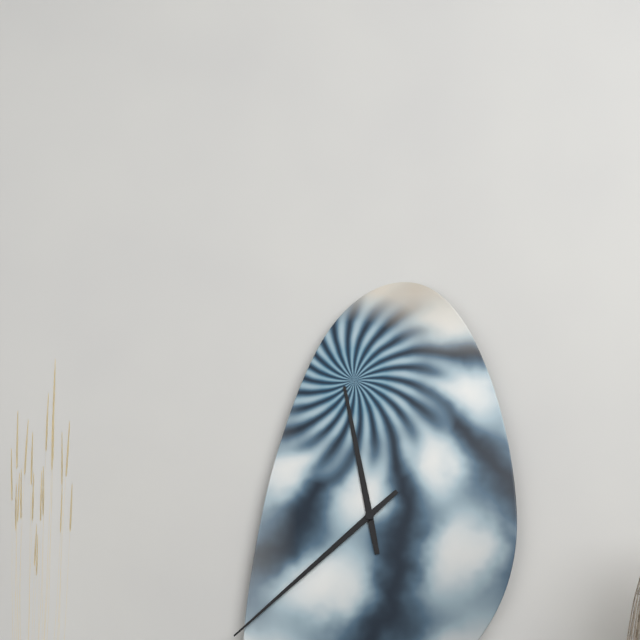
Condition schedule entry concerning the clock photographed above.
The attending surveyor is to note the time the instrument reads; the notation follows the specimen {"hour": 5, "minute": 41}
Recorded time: {"hour": 11, "minute": 38}
